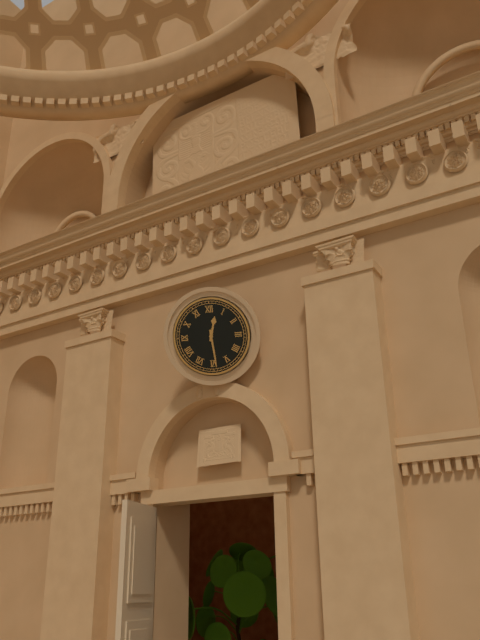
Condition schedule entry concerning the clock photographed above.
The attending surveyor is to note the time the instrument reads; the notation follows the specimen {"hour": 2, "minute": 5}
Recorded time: {"hour": 12, "minute": 29}
